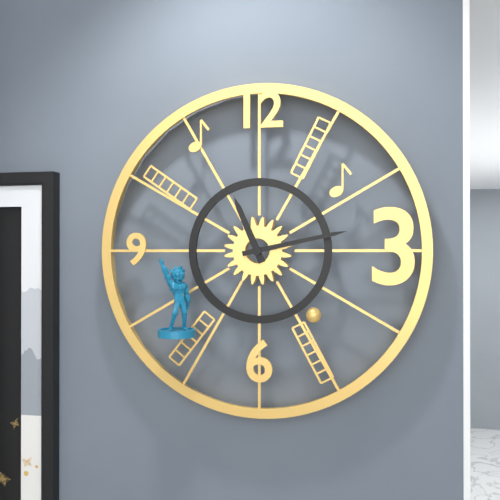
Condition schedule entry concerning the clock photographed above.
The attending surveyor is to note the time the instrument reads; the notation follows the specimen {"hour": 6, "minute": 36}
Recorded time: {"hour": 11, "minute": 13}
